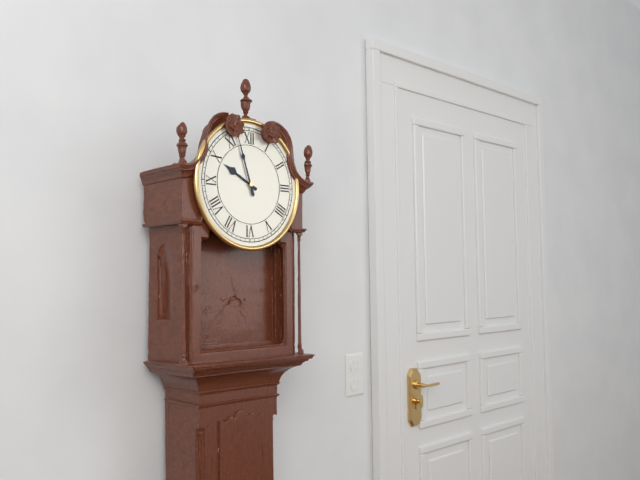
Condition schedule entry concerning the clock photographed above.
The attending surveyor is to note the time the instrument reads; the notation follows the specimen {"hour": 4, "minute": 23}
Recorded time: {"hour": 9, "minute": 57}
